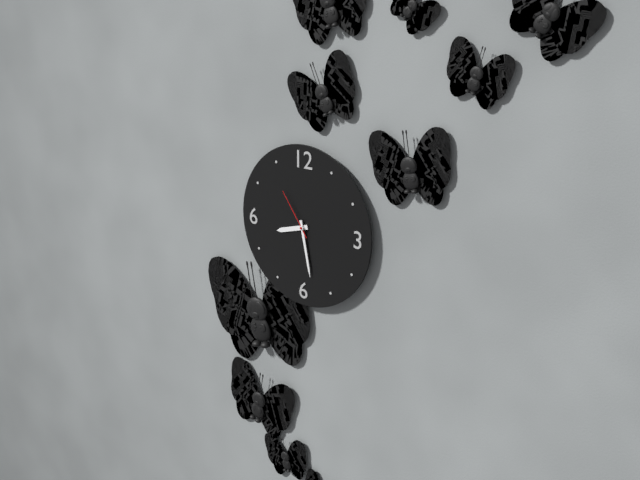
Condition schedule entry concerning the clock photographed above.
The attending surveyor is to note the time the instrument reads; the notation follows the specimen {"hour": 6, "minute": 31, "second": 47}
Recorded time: {"hour": 8, "minute": 28, "second": 54}
